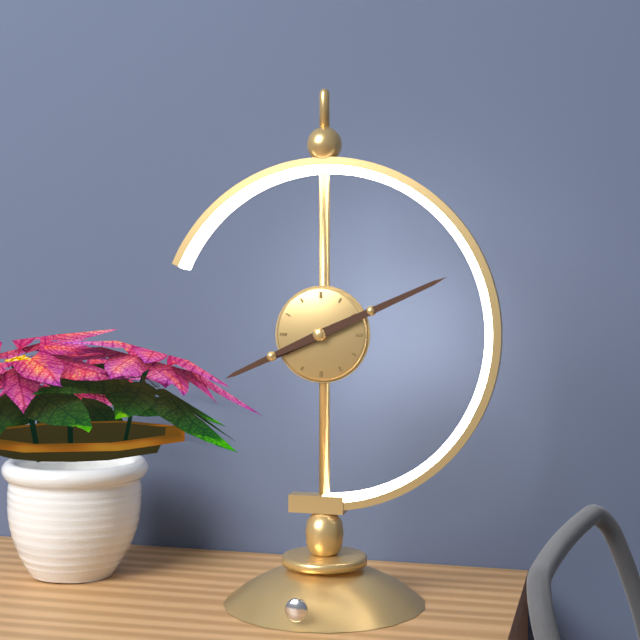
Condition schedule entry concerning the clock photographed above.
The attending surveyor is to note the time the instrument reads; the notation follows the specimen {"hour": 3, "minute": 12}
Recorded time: {"hour": 8, "minute": 11}
